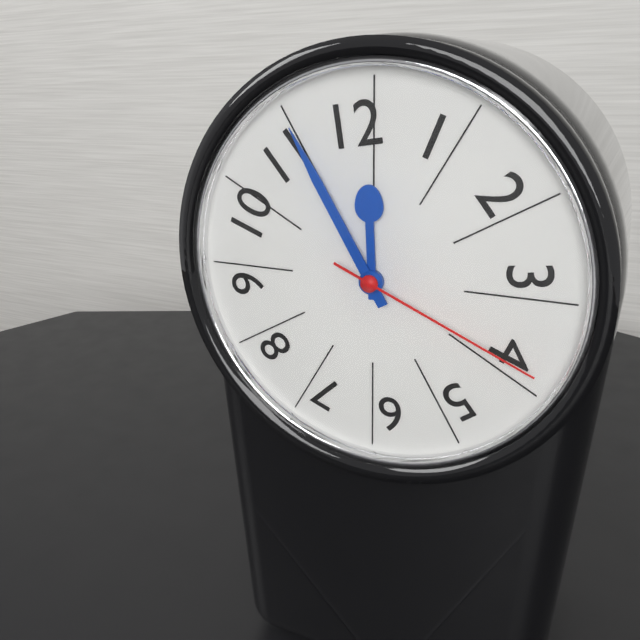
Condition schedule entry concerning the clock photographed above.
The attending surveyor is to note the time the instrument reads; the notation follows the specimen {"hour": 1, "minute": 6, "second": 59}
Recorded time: {"hour": 11, "minute": 55, "second": 19}
